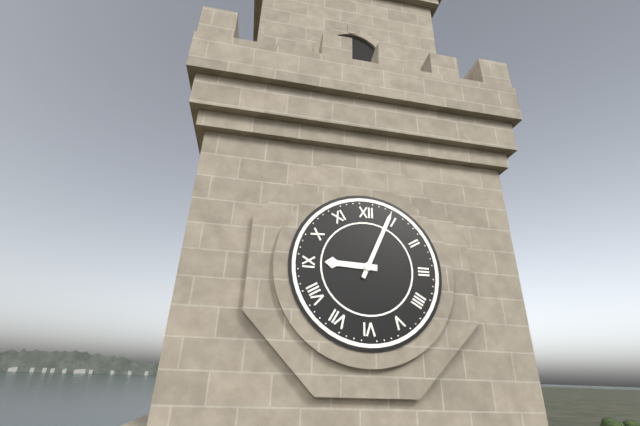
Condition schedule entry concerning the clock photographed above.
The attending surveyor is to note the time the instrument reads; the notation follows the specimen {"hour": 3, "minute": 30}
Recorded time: {"hour": 9, "minute": 4}
